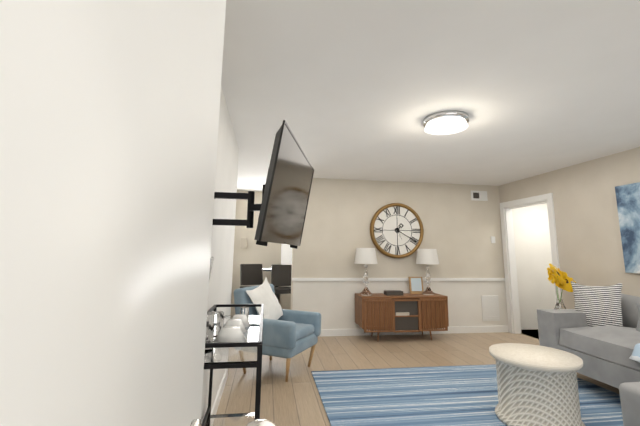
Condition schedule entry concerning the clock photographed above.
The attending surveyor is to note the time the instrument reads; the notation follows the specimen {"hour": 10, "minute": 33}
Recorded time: {"hour": 1, "minute": 20}
